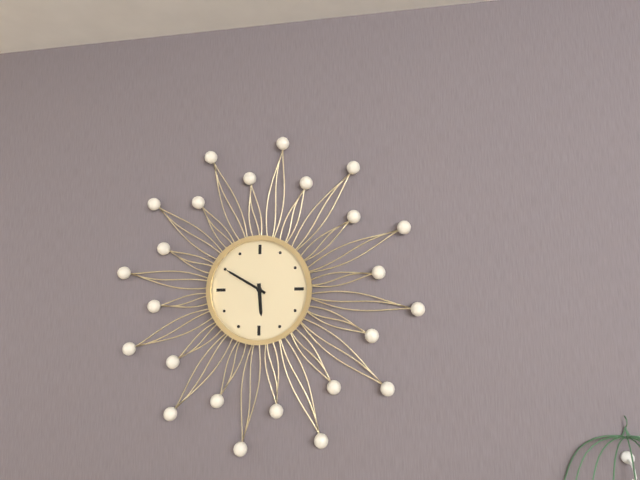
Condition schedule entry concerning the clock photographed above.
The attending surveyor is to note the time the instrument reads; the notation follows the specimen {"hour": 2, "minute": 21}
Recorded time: {"hour": 5, "minute": 50}
